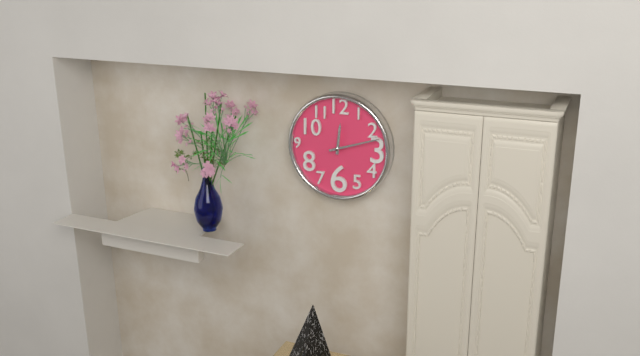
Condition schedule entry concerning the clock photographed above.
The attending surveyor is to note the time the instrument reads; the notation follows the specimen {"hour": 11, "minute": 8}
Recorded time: {"hour": 12, "minute": 12}
